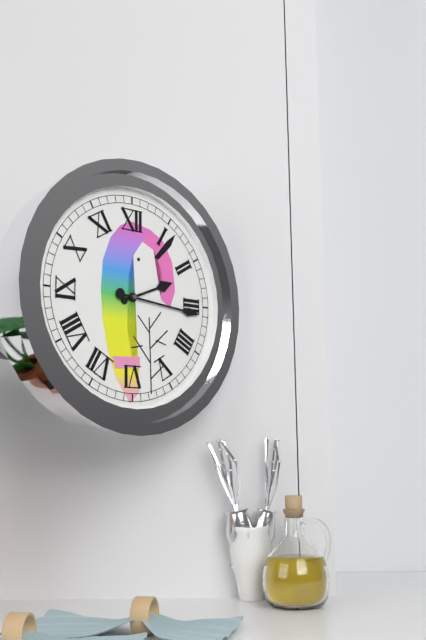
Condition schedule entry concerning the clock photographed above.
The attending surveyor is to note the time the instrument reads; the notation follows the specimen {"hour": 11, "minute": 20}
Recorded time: {"hour": 2, "minute": 16}
